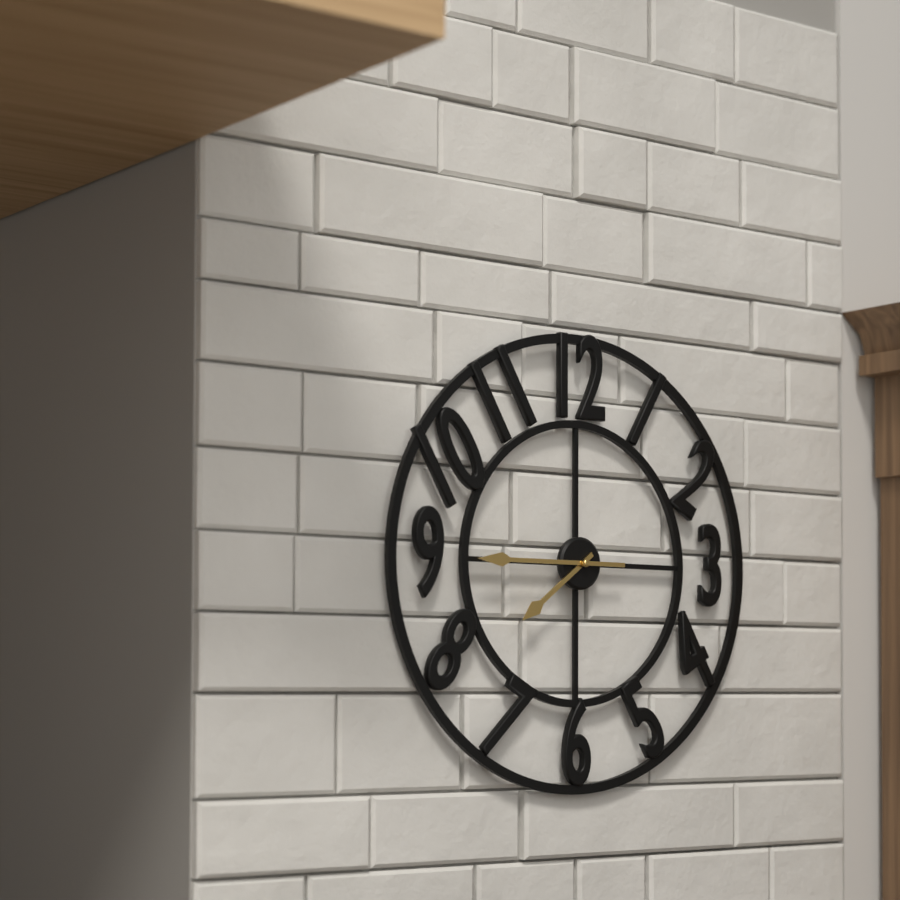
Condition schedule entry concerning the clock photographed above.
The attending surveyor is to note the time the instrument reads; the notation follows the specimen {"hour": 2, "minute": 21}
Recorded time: {"hour": 7, "minute": 45}
